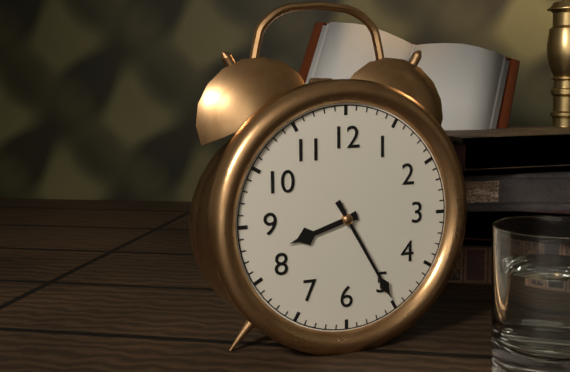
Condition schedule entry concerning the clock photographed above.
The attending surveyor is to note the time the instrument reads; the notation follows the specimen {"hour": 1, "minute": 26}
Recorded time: {"hour": 8, "minute": 25}
